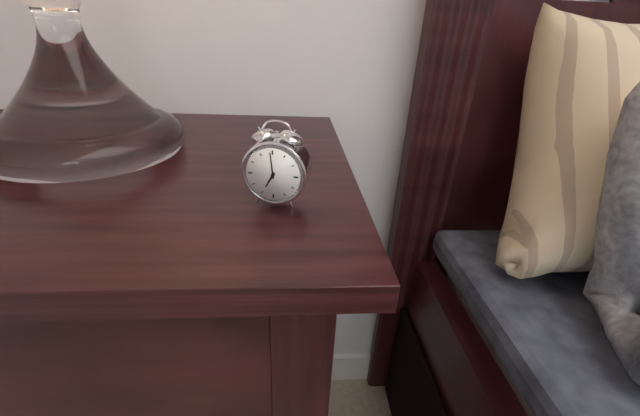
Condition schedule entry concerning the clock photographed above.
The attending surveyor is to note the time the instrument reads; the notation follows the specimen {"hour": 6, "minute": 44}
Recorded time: {"hour": 6, "minute": 59}
